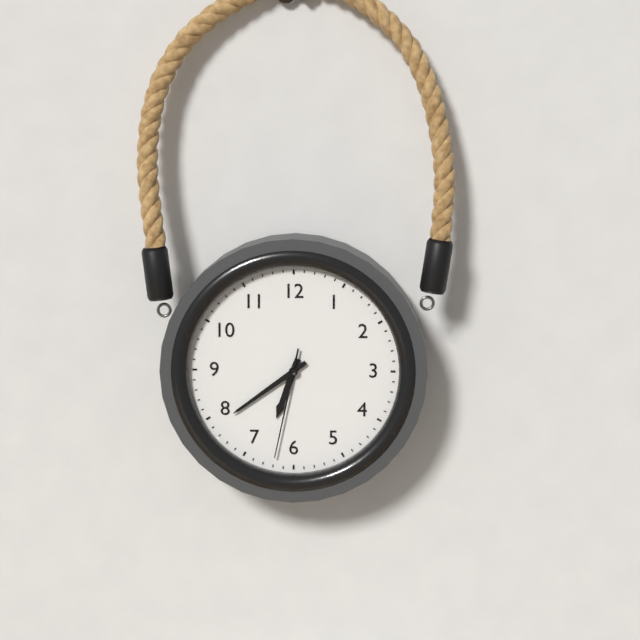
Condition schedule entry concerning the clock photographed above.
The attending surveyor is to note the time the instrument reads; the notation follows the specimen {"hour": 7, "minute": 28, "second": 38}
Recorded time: {"hour": 6, "minute": 39, "second": 32}
